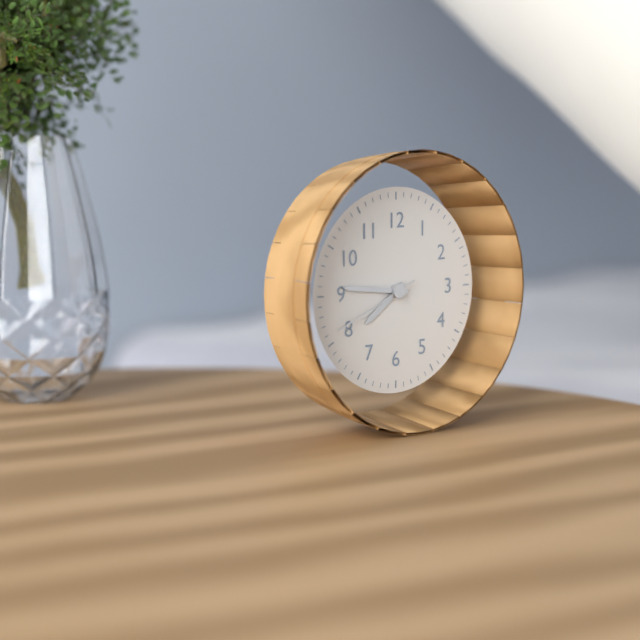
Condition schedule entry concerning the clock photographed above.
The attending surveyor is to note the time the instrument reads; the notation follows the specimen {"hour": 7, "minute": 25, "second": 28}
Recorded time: {"hour": 7, "minute": 46, "second": 41}
